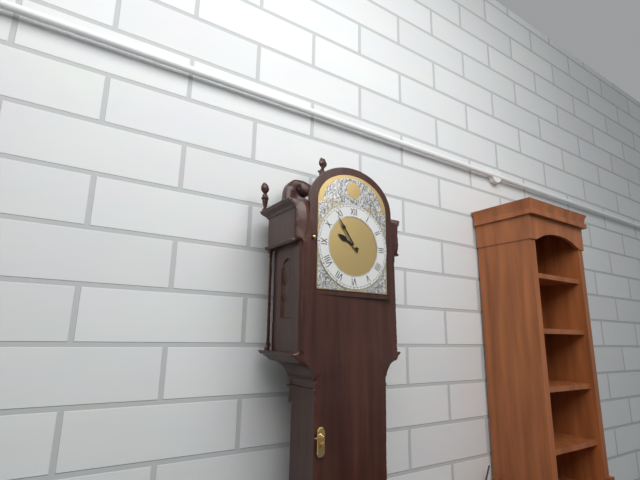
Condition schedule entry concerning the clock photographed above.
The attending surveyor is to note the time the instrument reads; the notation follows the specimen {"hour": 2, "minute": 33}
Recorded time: {"hour": 9, "minute": 54}
